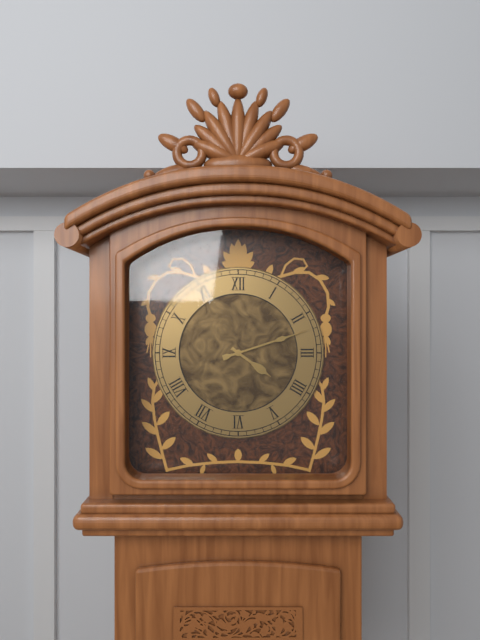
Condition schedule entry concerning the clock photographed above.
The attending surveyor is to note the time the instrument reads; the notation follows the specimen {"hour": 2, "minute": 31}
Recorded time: {"hour": 4, "minute": 12}
